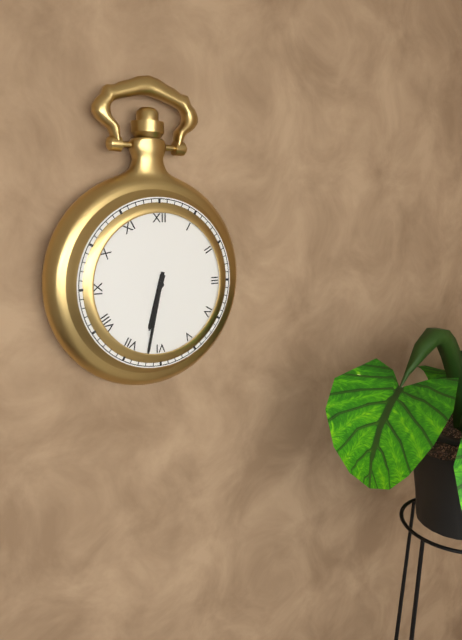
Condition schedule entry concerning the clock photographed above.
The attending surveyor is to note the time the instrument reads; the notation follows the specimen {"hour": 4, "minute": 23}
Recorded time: {"hour": 6, "minute": 32}
